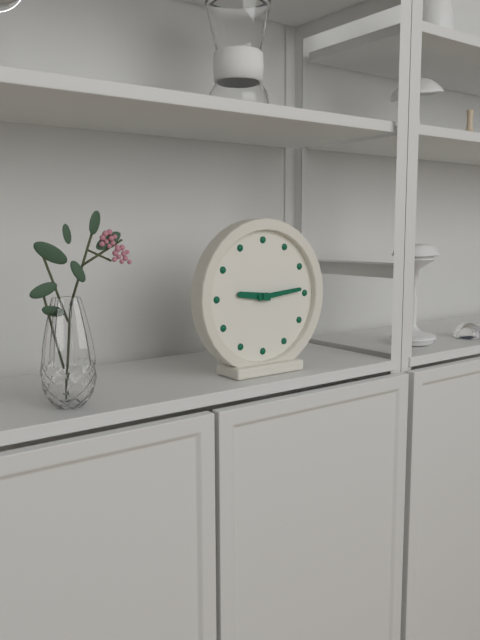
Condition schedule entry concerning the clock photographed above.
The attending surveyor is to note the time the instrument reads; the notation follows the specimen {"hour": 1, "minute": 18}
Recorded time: {"hour": 9, "minute": 14}
